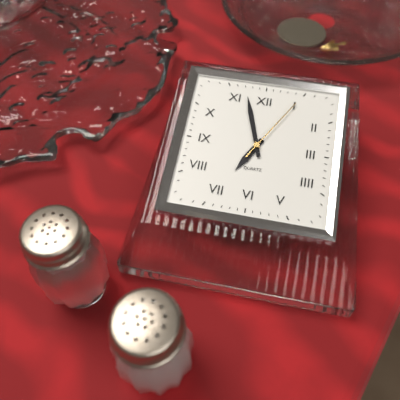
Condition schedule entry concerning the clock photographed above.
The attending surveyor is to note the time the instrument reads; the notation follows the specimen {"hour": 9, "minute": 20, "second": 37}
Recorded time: {"hour": 6, "minute": 57, "second": 5}
